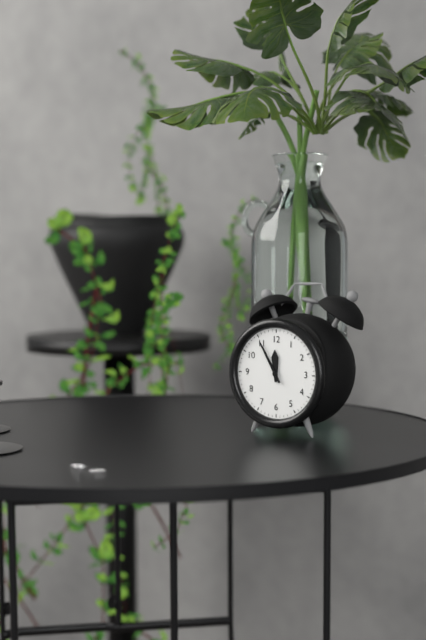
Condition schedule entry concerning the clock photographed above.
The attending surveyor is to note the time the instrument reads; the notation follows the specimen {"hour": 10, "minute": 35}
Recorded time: {"hour": 11, "minute": 55}
